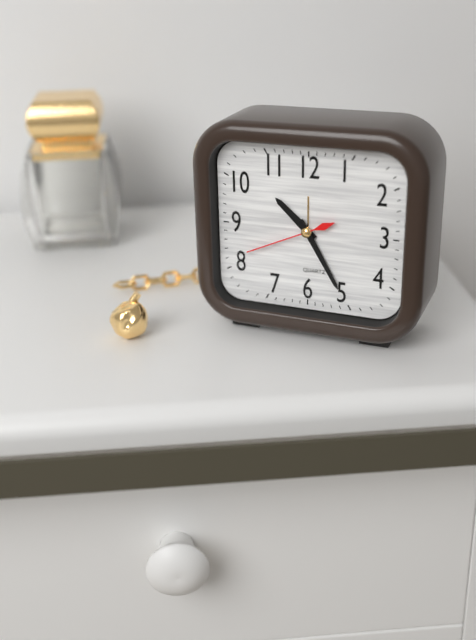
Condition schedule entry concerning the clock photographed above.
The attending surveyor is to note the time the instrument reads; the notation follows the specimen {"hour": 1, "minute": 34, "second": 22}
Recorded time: {"hour": 10, "minute": 25, "second": 41}
